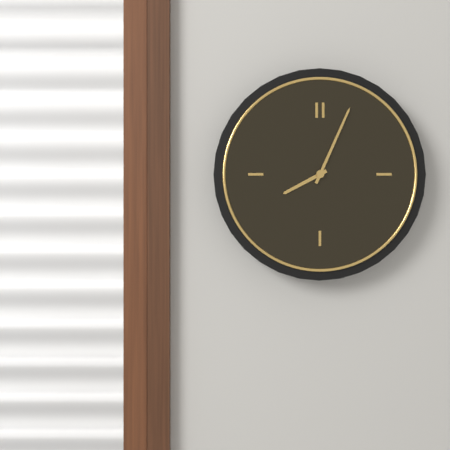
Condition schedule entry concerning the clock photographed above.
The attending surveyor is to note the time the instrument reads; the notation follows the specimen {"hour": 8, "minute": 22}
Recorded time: {"hour": 8, "minute": 4}
